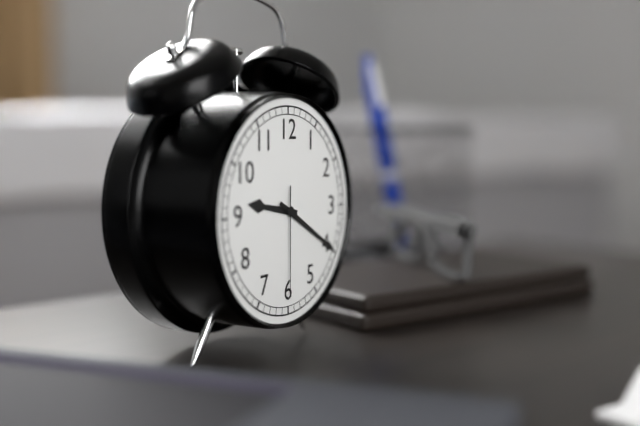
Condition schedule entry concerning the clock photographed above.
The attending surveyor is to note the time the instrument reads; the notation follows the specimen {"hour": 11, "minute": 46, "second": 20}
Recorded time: {"hour": 9, "minute": 20, "second": 30}
